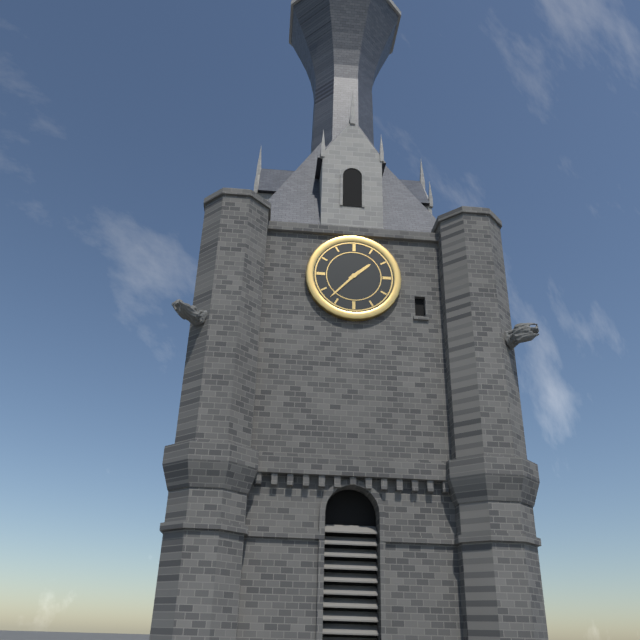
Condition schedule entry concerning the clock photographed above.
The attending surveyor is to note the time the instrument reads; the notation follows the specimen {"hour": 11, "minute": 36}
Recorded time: {"hour": 1, "minute": 37}
